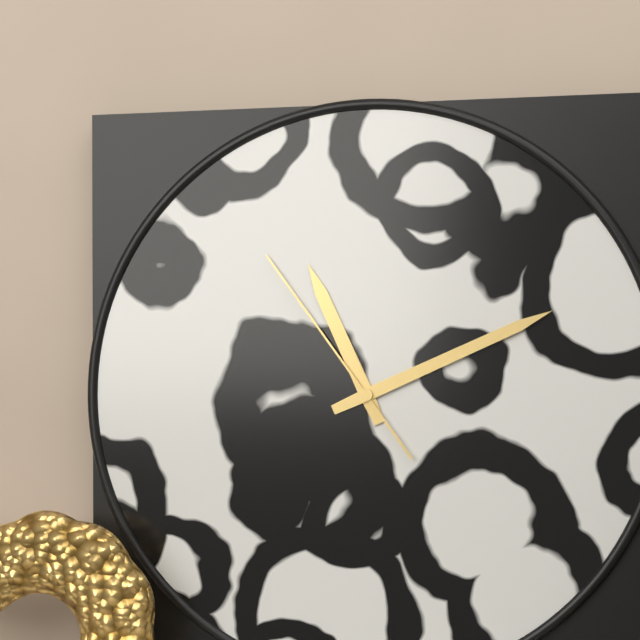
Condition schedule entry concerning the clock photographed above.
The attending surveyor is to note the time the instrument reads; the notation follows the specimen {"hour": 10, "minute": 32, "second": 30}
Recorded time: {"hour": 11, "minute": 11, "second": 54}
